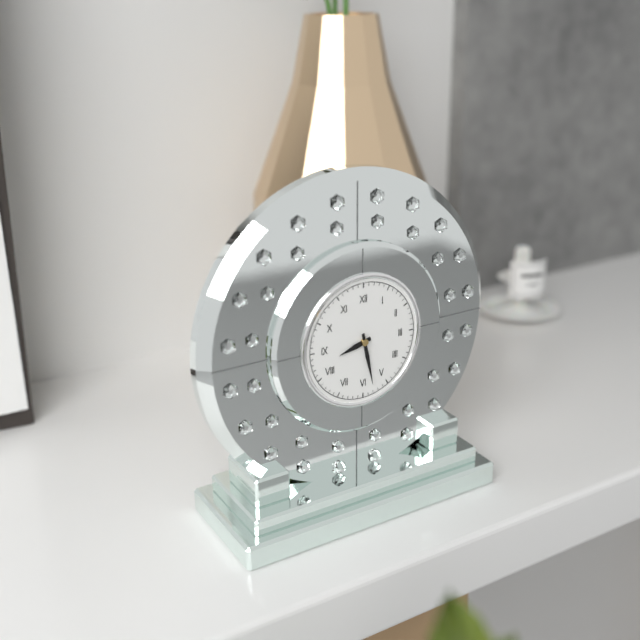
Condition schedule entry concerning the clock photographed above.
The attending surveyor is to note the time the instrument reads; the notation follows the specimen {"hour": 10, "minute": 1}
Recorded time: {"hour": 8, "minute": 28}
